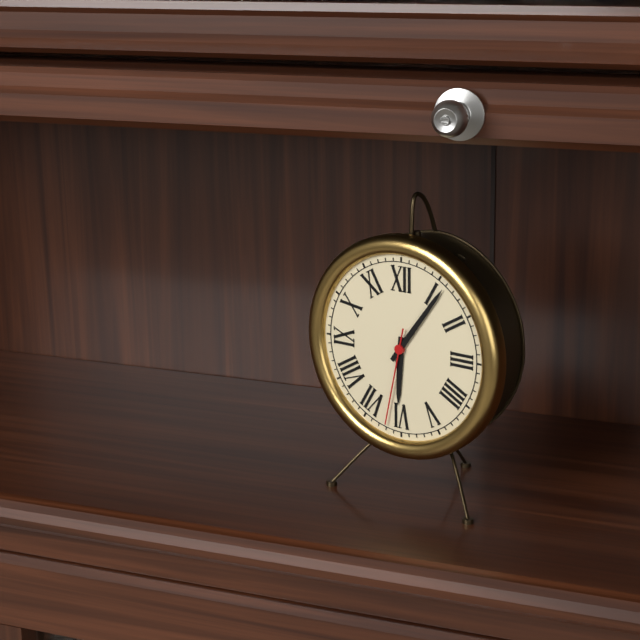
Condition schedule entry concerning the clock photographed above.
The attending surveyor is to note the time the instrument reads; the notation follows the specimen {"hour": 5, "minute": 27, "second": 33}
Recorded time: {"hour": 6, "minute": 6, "second": 32}
